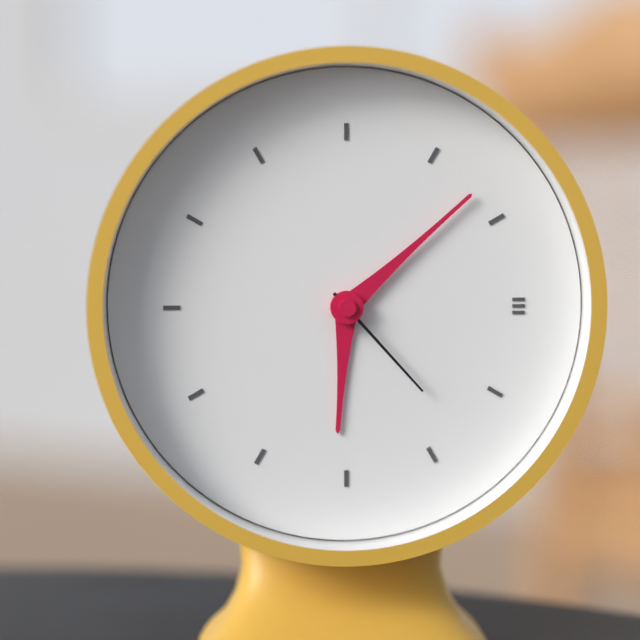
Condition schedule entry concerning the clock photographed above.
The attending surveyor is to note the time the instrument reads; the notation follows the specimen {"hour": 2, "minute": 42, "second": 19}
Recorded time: {"hour": 6, "minute": 8, "second": 23}
